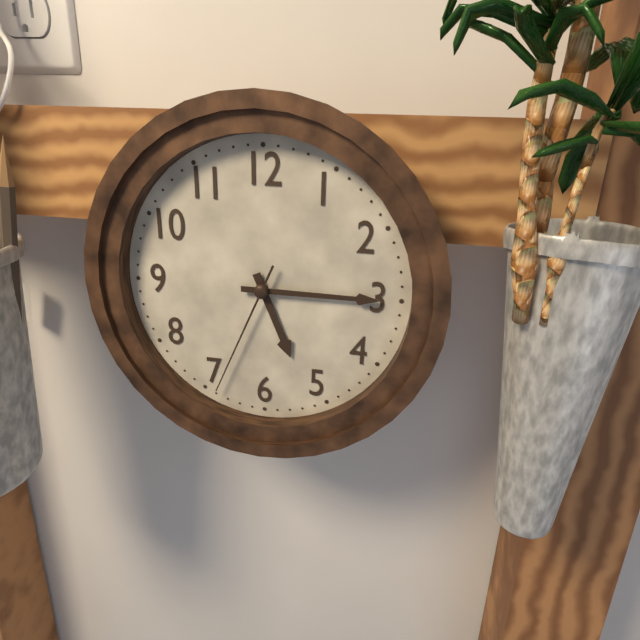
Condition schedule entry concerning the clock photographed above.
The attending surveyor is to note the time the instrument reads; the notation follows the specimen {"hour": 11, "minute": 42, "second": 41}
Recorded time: {"hour": 5, "minute": 15, "second": 34}
